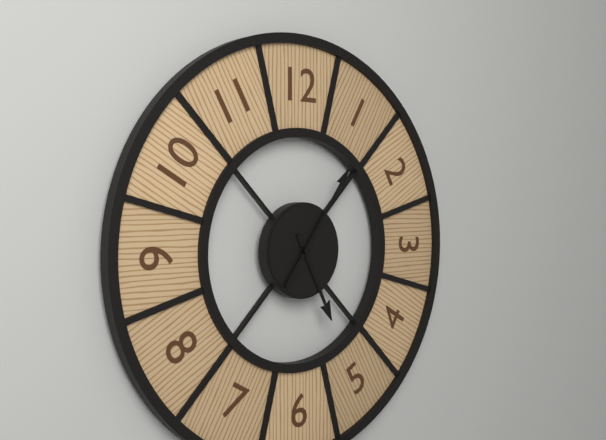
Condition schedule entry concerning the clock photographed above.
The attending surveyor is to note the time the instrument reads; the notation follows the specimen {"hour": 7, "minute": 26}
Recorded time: {"hour": 5, "minute": 6}
